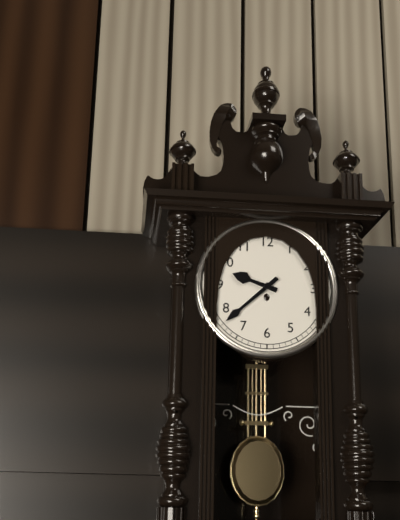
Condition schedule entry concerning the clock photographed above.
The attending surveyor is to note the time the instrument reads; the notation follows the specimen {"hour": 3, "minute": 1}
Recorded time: {"hour": 9, "minute": 38}
